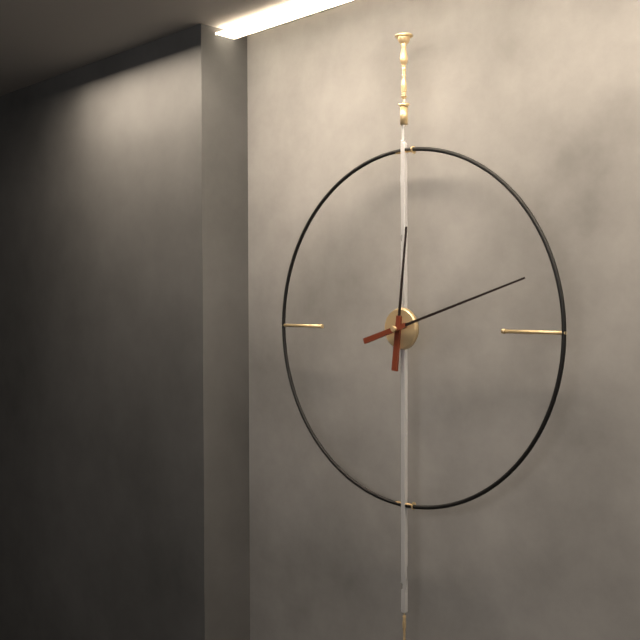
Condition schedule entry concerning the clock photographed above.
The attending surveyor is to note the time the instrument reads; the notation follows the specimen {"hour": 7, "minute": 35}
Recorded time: {"hour": 12, "minute": 12}
